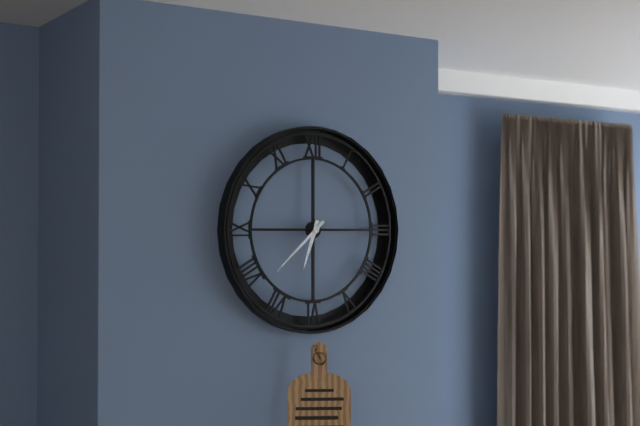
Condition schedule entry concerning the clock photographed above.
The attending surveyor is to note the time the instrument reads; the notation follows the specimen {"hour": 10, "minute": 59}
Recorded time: {"hour": 6, "minute": 38}
